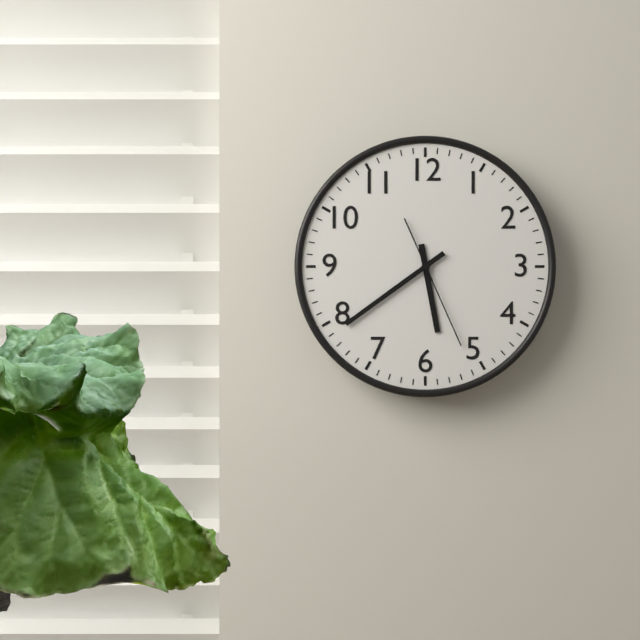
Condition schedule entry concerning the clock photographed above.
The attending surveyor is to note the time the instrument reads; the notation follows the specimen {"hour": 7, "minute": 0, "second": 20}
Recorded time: {"hour": 5, "minute": 39, "second": 26}
